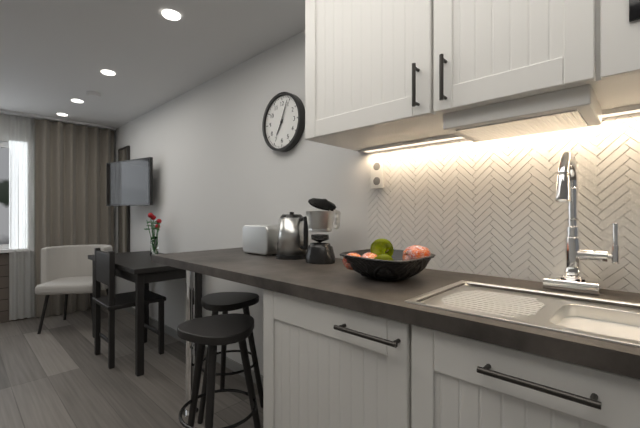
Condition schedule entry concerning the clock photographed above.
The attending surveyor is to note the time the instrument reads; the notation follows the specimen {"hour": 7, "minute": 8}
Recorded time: {"hour": 7, "minute": 4}
